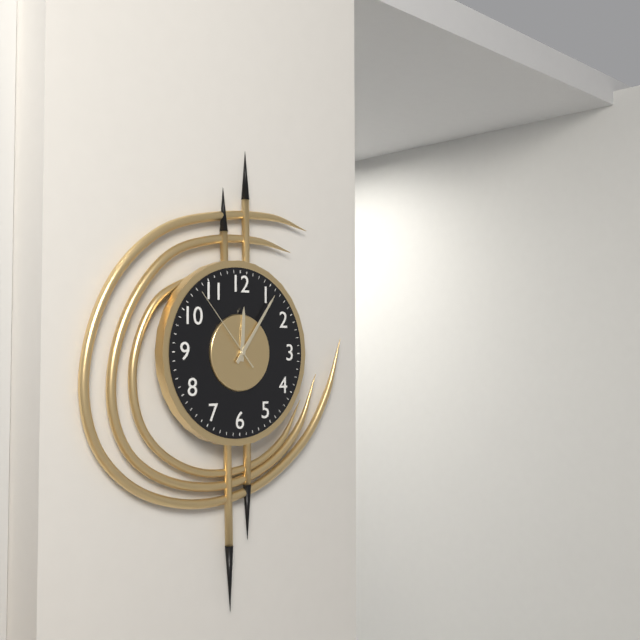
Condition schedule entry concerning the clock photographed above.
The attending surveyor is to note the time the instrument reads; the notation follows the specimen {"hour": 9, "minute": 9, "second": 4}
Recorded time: {"hour": 12, "minute": 6, "second": 53}
